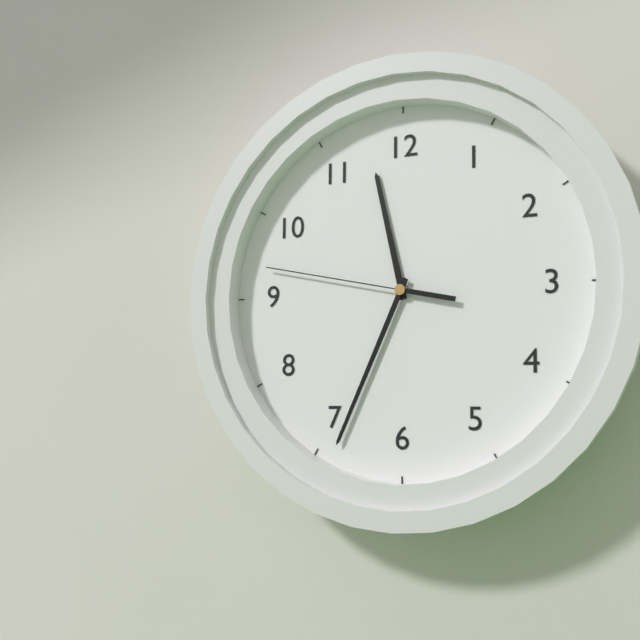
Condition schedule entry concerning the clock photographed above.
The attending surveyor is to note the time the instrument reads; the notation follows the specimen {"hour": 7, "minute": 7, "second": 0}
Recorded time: {"hour": 11, "minute": 34, "second": 47}
